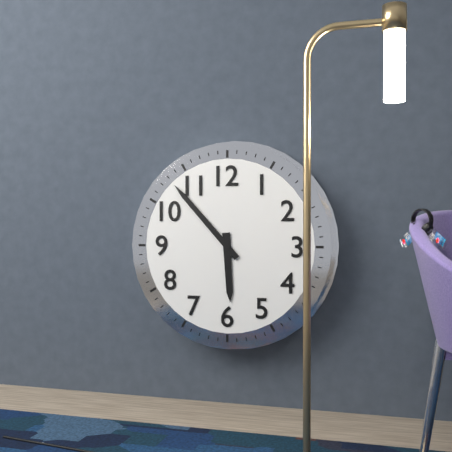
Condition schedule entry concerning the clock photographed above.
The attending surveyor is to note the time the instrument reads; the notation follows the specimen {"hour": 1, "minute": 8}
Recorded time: {"hour": 5, "minute": 53}
